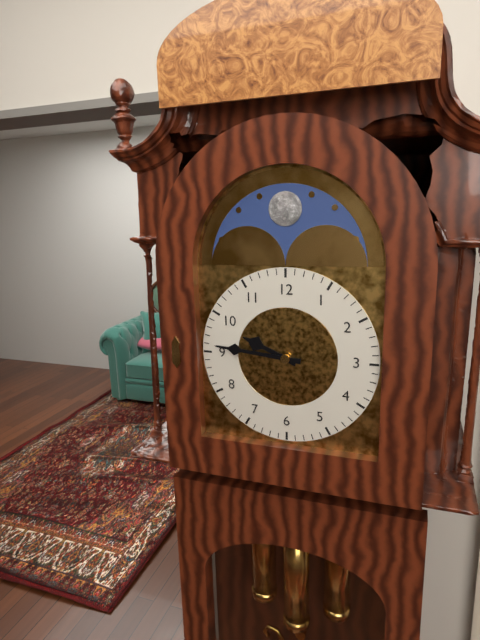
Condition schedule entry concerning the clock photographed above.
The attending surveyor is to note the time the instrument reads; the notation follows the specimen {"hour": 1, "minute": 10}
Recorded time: {"hour": 9, "minute": 46}
